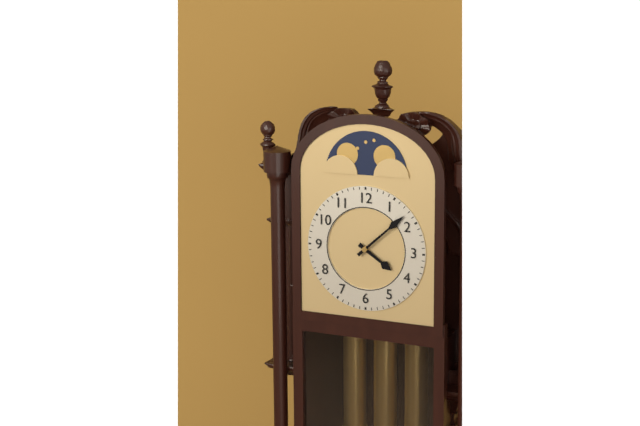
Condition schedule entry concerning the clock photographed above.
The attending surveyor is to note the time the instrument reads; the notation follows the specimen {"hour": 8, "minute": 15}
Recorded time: {"hour": 4, "minute": 8}
